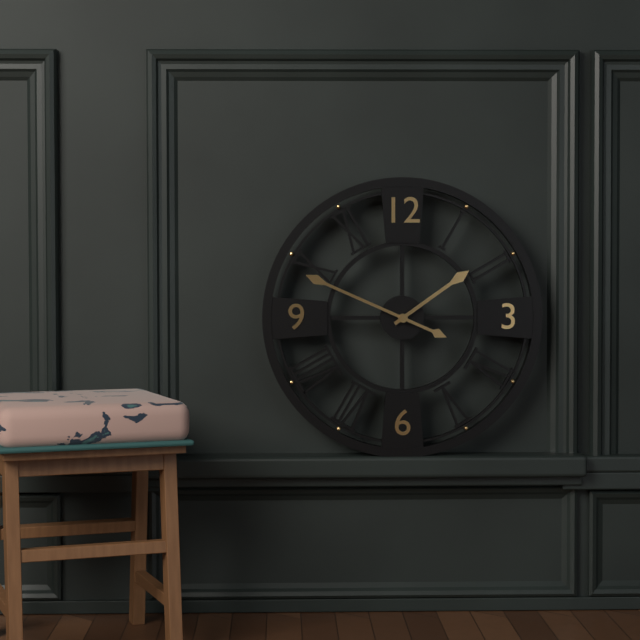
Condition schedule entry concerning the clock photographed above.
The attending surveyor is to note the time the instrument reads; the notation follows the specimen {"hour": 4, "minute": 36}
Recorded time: {"hour": 1, "minute": 49}
